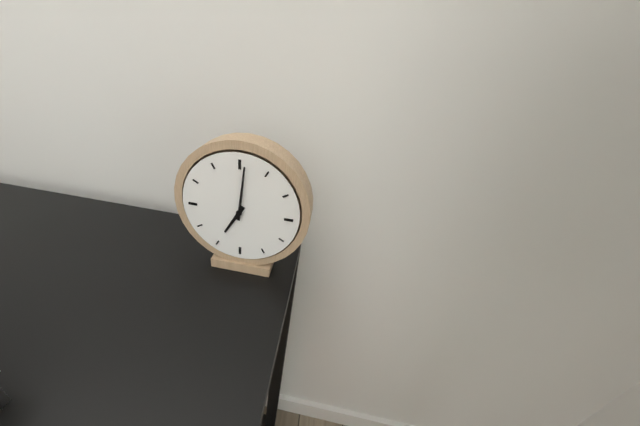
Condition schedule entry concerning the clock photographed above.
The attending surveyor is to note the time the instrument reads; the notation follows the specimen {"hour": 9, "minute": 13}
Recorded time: {"hour": 7, "minute": 1}
